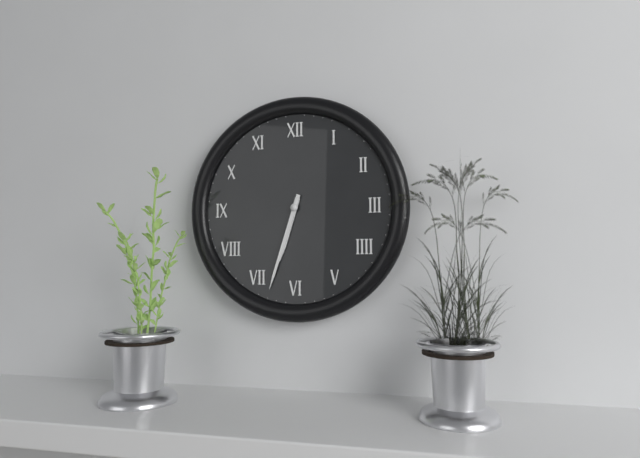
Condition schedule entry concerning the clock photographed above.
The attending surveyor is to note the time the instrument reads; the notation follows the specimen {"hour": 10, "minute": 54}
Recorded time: {"hour": 6, "minute": 33}
